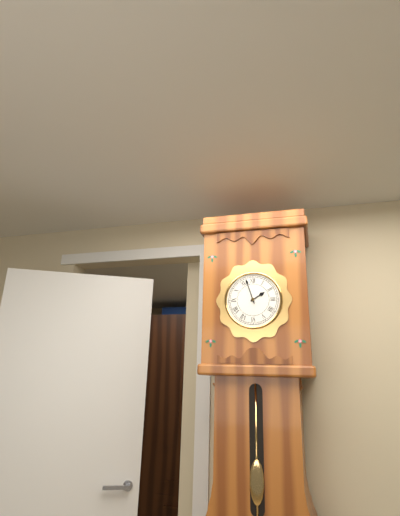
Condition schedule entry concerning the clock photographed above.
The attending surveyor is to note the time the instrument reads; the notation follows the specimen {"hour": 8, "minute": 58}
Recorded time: {"hour": 1, "minute": 57}
